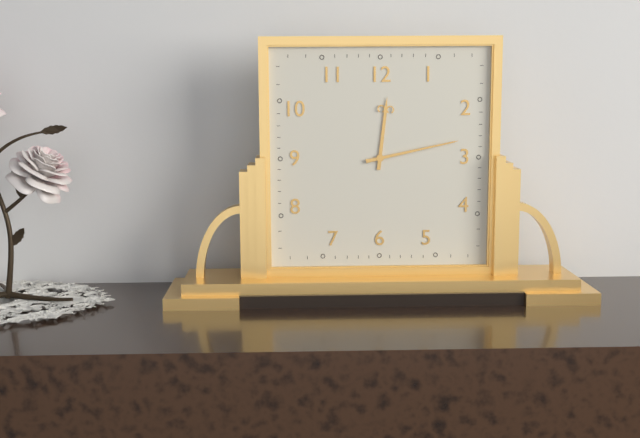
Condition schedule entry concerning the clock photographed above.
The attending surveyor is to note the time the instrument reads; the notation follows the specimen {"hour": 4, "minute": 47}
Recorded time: {"hour": 12, "minute": 13}
